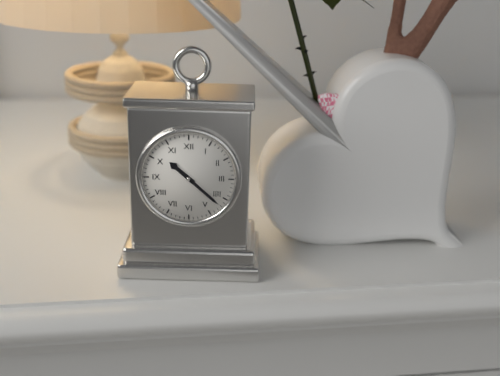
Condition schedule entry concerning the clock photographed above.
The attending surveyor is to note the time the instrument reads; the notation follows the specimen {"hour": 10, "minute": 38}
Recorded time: {"hour": 10, "minute": 22}
